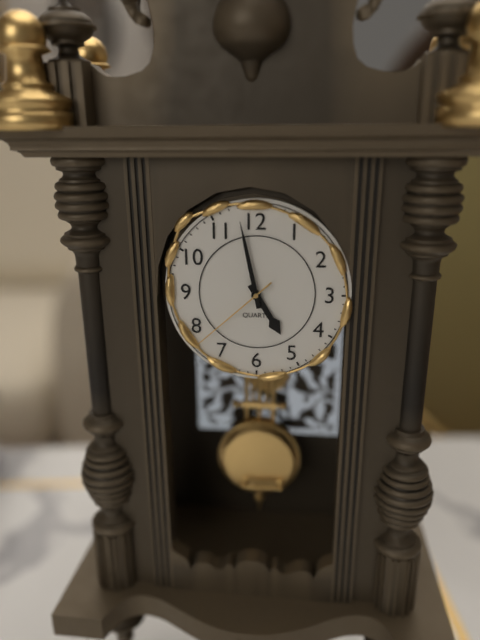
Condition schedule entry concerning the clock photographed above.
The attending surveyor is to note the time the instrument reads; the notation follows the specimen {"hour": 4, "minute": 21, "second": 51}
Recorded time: {"hour": 4, "minute": 58, "second": 38}
